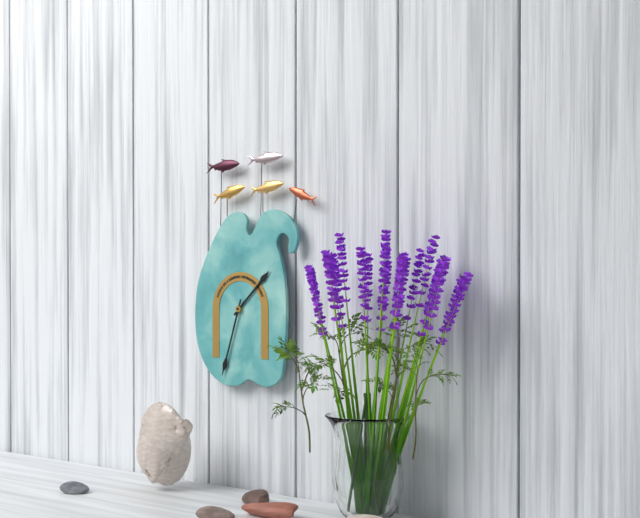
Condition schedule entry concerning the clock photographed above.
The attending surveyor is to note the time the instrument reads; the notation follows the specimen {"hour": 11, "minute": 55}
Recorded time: {"hour": 1, "minute": 33}
